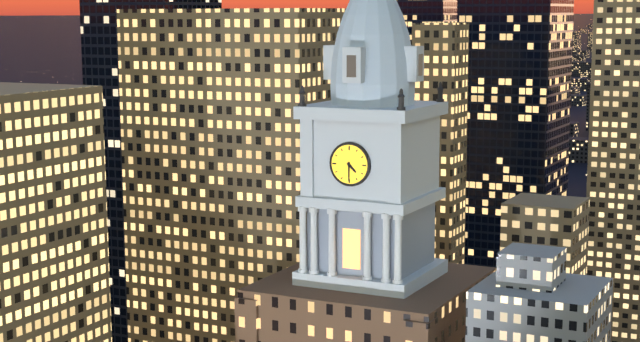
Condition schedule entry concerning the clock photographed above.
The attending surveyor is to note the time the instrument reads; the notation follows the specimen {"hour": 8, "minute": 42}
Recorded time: {"hour": 4, "minute": 30}
